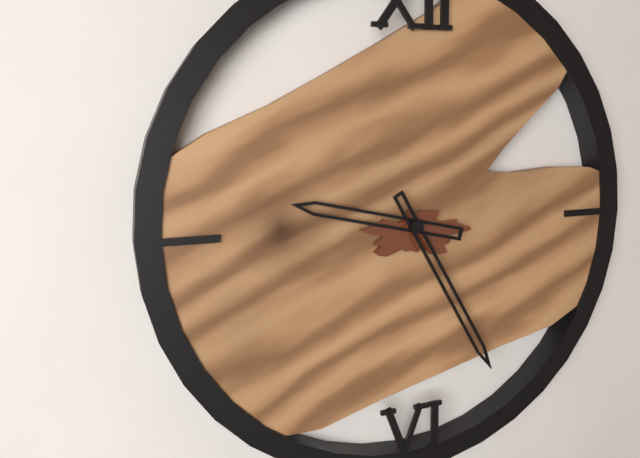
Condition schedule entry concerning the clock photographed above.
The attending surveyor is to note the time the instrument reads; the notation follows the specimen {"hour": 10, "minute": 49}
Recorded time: {"hour": 9, "minute": 25}
